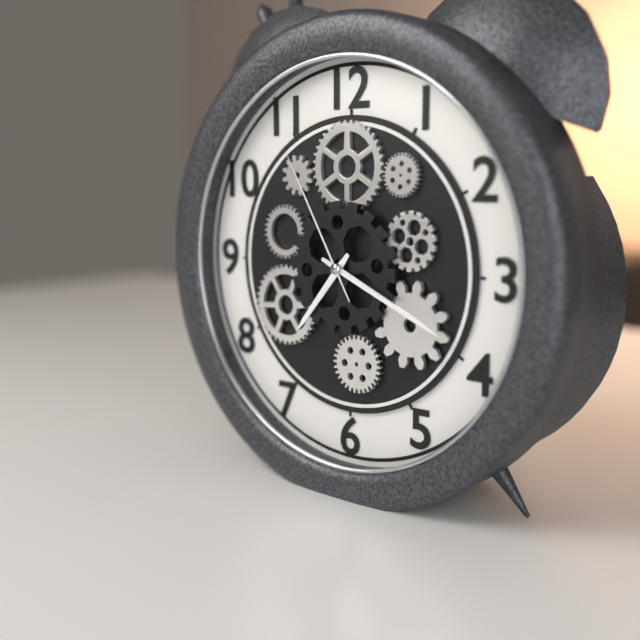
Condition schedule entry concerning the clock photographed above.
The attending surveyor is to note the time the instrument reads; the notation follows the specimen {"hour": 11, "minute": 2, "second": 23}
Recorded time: {"hour": 7, "minute": 19, "second": 55}
